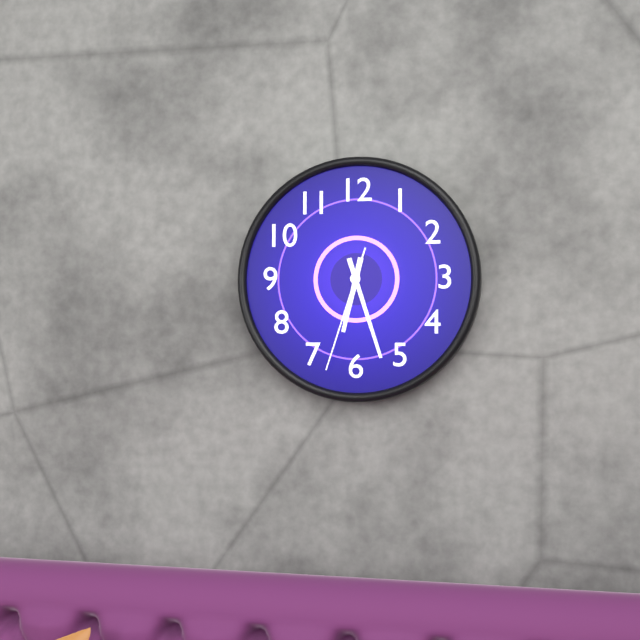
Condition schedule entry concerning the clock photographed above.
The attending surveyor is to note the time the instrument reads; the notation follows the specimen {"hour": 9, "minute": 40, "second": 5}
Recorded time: {"hour": 6, "minute": 27, "second": 33}
